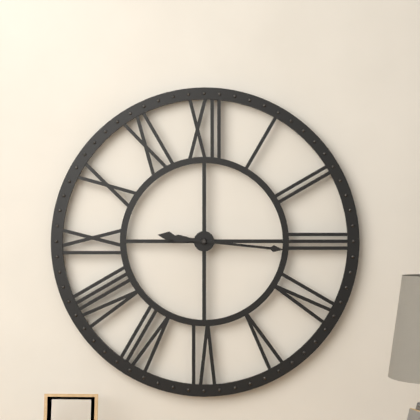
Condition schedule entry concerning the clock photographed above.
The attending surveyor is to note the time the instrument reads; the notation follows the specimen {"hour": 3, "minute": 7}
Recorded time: {"hour": 9, "minute": 16}
